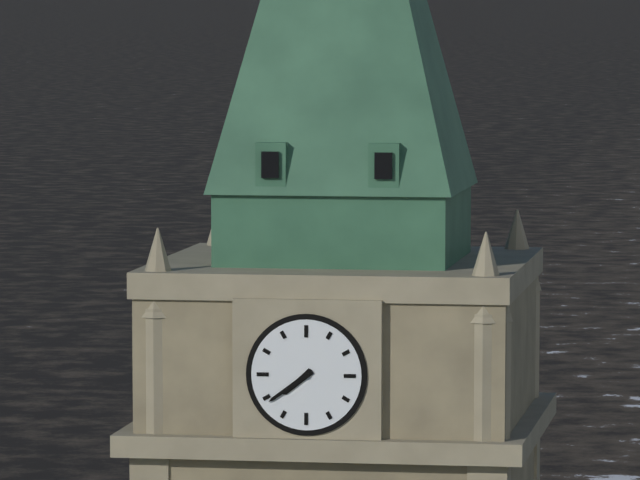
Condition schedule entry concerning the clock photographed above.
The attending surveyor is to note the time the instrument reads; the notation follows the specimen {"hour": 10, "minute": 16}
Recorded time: {"hour": 7, "minute": 39}
